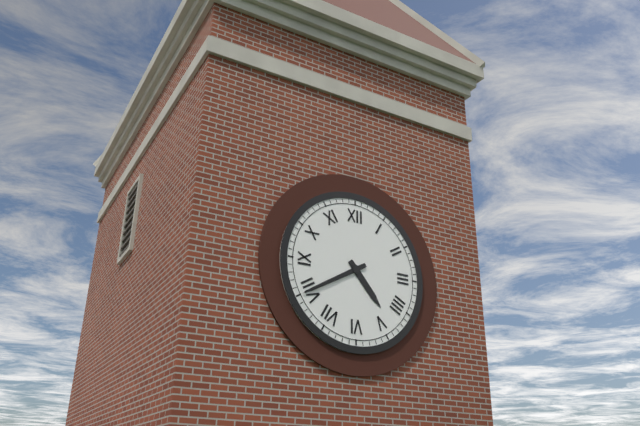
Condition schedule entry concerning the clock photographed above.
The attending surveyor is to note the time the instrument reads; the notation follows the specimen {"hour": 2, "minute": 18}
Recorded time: {"hour": 4, "minute": 40}
